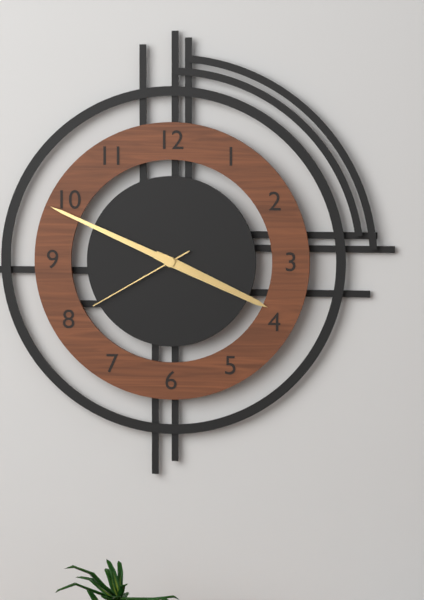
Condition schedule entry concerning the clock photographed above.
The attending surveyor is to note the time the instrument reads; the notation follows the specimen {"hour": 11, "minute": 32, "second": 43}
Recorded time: {"hour": 3, "minute": 49, "second": 40}
